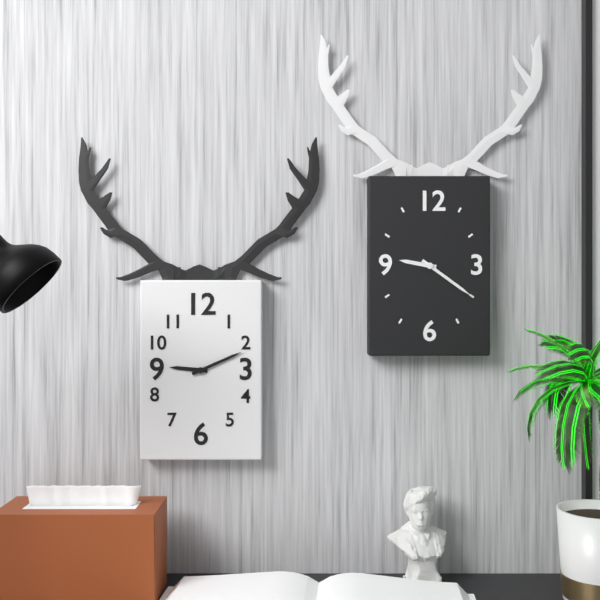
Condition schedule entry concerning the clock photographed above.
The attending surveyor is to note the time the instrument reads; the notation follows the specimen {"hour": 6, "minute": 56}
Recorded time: {"hour": 9, "minute": 11}
